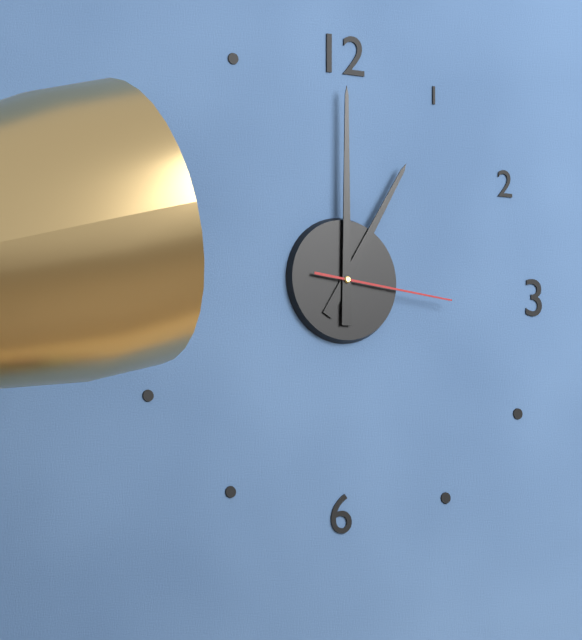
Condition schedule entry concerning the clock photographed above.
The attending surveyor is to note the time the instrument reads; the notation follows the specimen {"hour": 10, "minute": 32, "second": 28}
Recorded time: {"hour": 1, "minute": 0, "second": 16}
